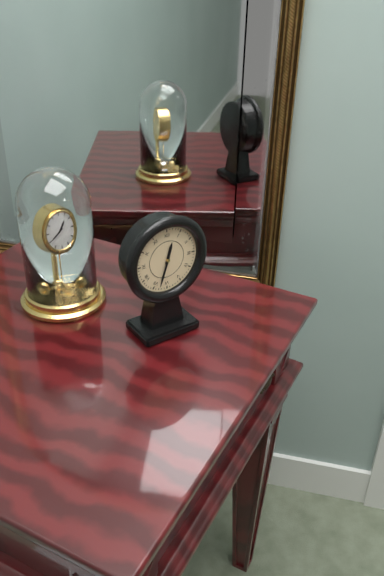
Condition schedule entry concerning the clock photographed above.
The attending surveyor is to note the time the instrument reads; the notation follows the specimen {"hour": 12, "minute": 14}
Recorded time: {"hour": 12, "minute": 33}
